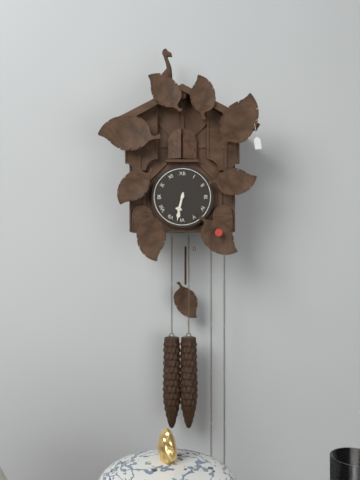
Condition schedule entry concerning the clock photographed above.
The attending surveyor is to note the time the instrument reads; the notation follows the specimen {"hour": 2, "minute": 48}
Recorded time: {"hour": 6, "minute": 32}
